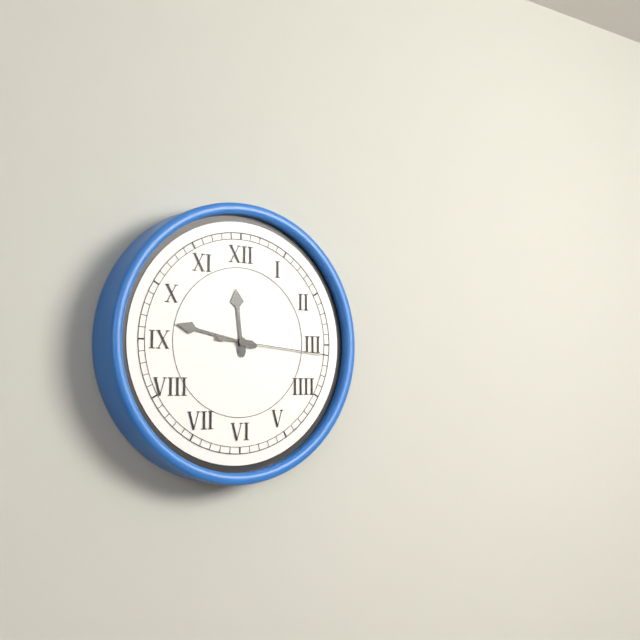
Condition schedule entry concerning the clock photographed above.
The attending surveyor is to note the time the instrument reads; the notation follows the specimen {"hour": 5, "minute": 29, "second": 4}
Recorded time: {"hour": 11, "minute": 47, "second": 16}
